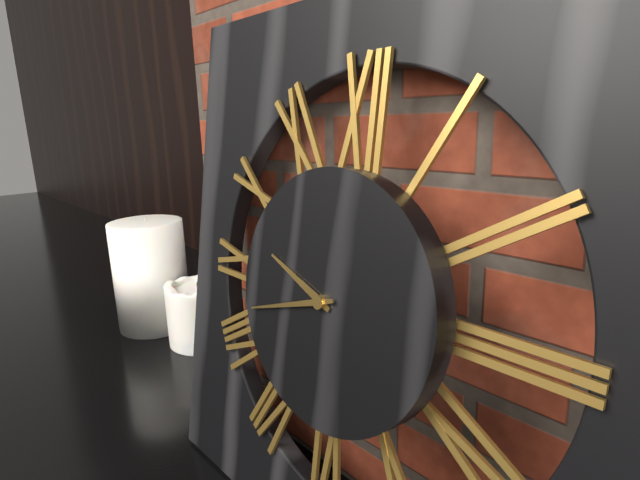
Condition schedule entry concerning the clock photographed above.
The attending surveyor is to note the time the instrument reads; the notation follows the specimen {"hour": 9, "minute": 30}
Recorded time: {"hour": 9, "minute": 42}
